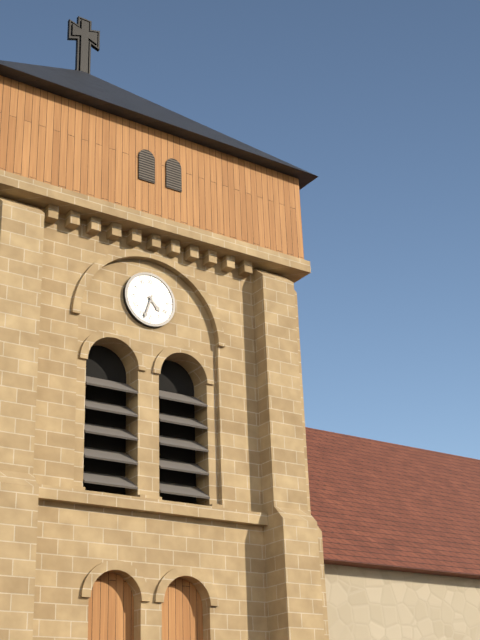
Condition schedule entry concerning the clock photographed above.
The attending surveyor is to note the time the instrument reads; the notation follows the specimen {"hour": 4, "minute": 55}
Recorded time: {"hour": 4, "minute": 33}
